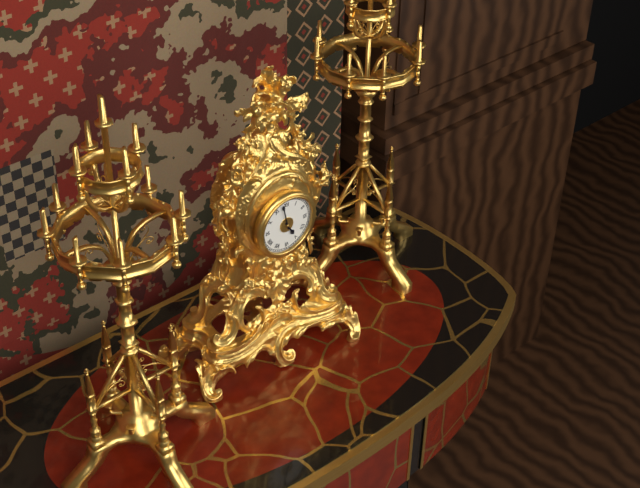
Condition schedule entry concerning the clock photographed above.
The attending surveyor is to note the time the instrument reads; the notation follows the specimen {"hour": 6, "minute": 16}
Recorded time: {"hour": 4, "minute": 58}
